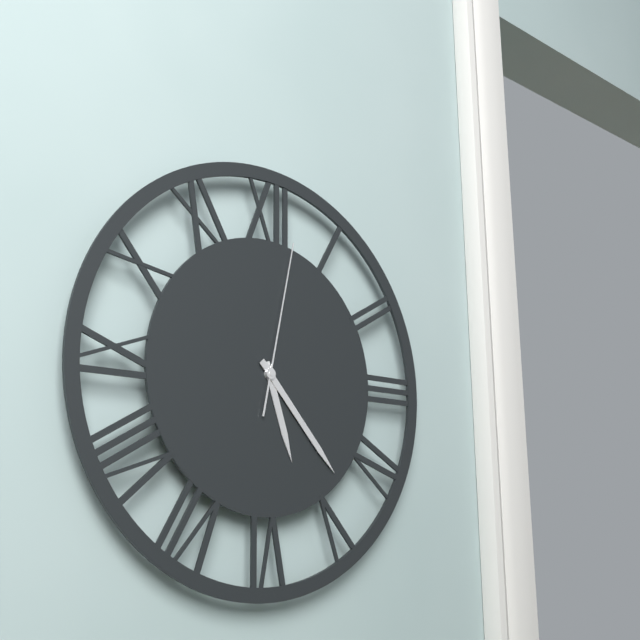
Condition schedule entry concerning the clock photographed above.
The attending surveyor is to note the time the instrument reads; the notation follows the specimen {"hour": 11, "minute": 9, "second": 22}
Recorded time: {"hour": 5, "minute": 23, "second": 2}
